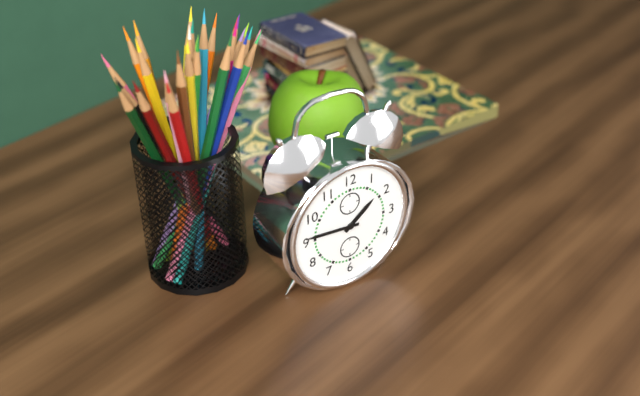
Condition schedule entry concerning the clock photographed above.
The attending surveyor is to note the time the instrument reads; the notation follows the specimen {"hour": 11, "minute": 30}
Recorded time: {"hour": 1, "minute": 46}
